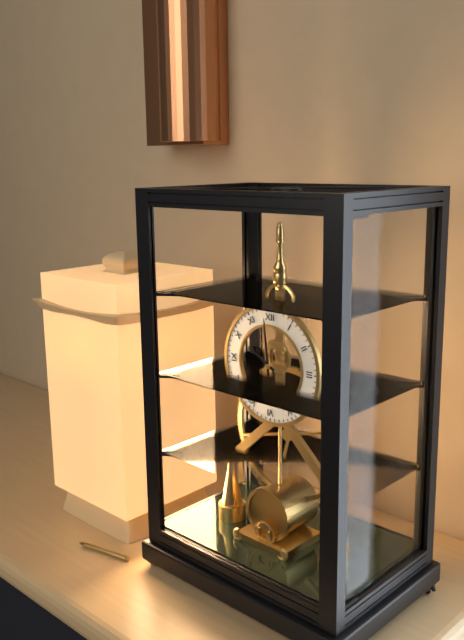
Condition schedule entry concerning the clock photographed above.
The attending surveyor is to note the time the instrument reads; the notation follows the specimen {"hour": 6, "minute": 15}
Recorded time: {"hour": 9, "minute": 59}
